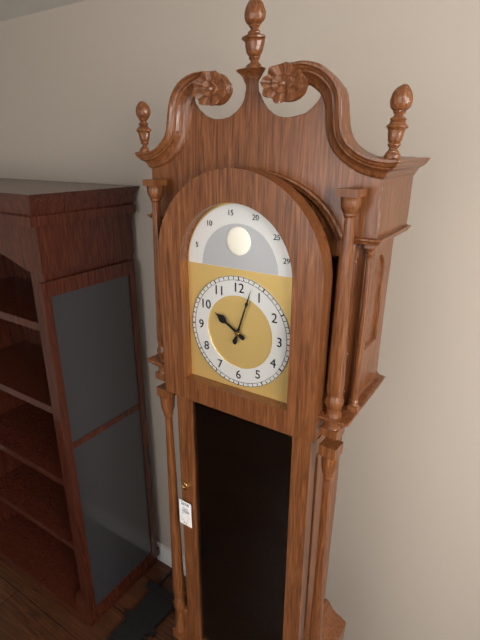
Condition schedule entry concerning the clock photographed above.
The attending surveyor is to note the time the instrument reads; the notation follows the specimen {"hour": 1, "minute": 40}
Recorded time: {"hour": 10, "minute": 3}
